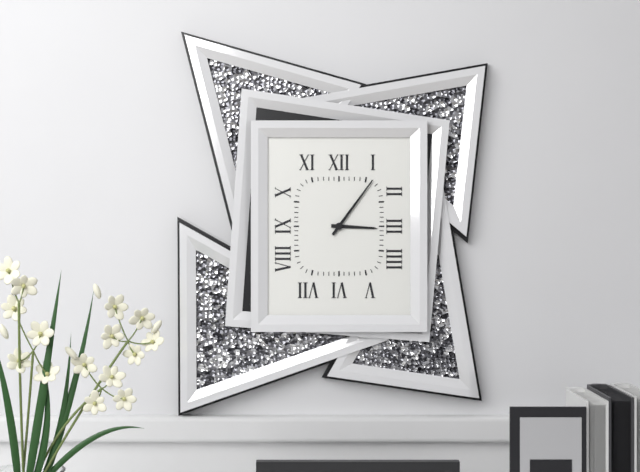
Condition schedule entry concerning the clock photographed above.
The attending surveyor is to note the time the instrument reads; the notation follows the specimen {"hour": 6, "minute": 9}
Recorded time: {"hour": 3, "minute": 6}
